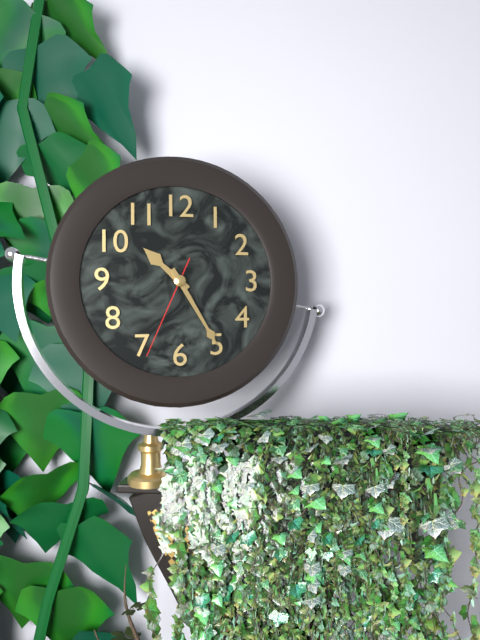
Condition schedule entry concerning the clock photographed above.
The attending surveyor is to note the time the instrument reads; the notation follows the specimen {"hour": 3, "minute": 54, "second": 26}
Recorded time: {"hour": 10, "minute": 25, "second": 34}
